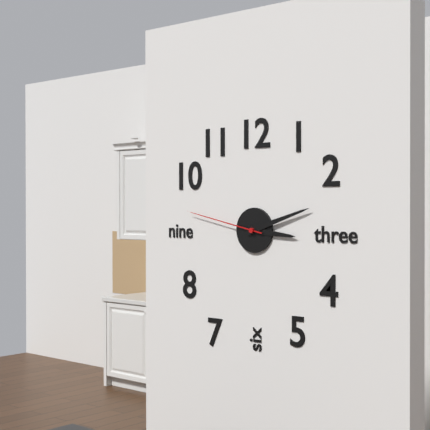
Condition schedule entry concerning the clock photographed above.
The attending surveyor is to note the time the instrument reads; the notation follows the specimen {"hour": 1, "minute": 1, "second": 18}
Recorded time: {"hour": 3, "minute": 12, "second": 47}
